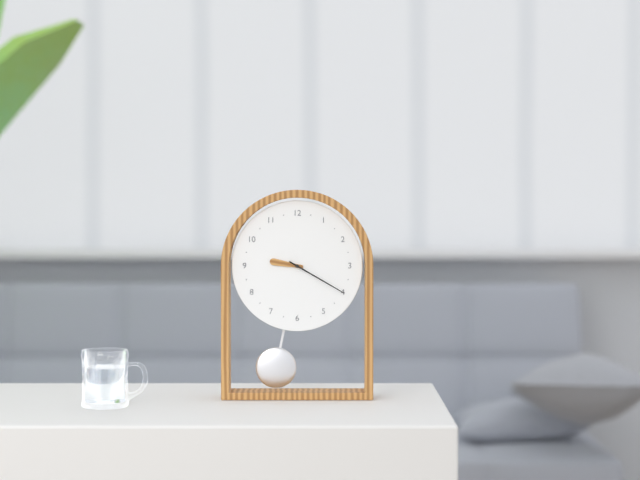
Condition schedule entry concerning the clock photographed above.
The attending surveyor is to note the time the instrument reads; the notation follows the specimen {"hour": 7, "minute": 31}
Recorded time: {"hour": 9, "minute": 20}
